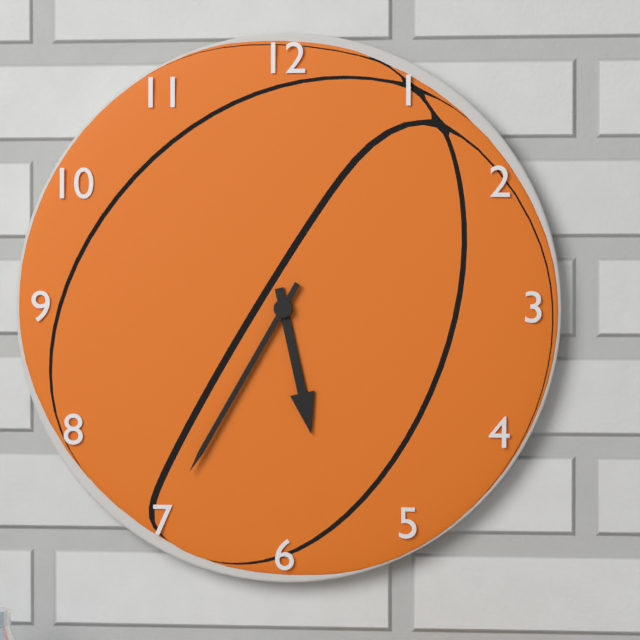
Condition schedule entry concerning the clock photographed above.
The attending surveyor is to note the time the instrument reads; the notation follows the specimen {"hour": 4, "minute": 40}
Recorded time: {"hour": 5, "minute": 35}
